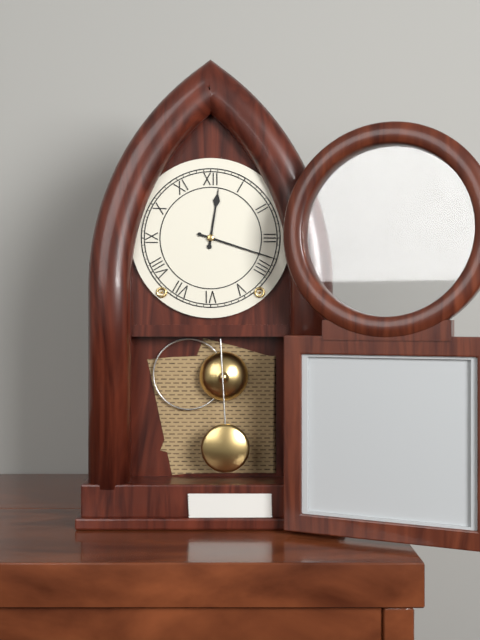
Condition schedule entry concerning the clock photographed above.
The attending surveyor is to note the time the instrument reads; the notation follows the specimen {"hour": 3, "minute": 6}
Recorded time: {"hour": 12, "minute": 18}
